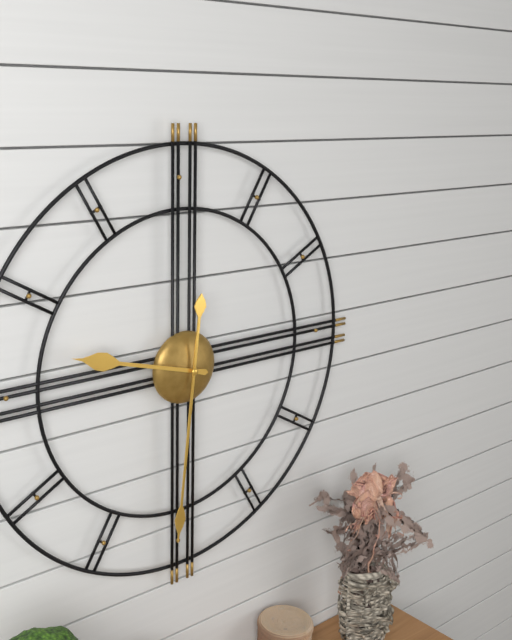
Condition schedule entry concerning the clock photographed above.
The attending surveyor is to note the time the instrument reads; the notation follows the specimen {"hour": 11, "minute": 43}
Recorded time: {"hour": 9, "minute": 31}
